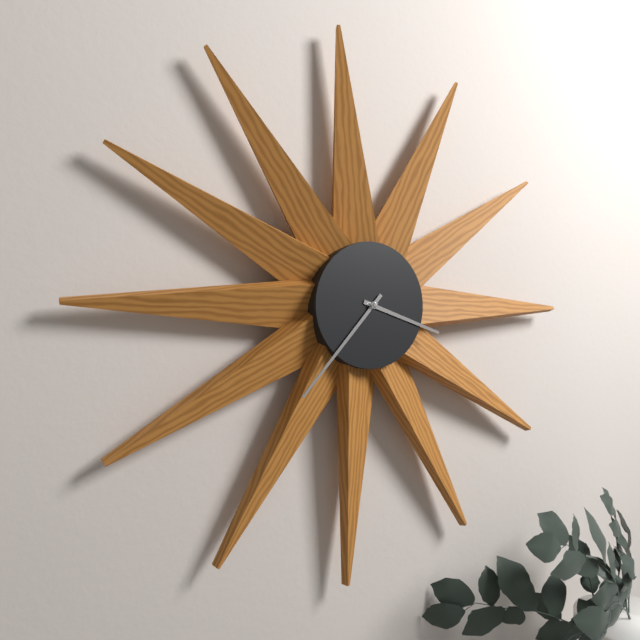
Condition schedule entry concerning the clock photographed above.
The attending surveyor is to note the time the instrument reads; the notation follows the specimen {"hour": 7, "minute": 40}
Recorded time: {"hour": 3, "minute": 37}
